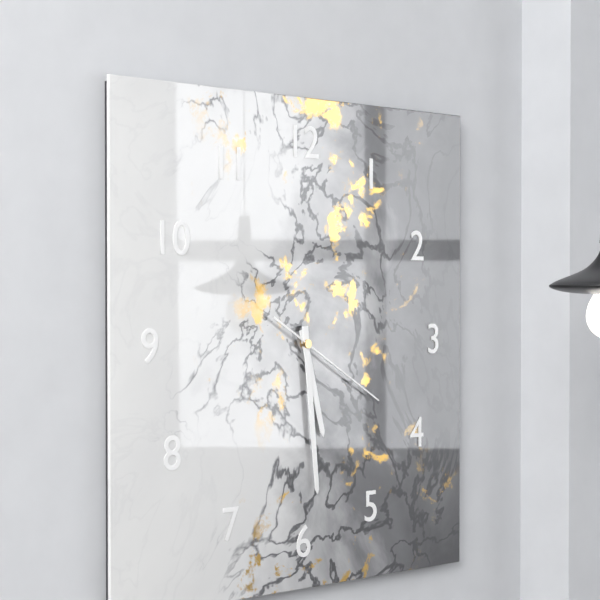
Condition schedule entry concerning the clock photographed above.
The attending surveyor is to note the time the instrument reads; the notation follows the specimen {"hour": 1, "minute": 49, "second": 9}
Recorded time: {"hour": 5, "minute": 29, "second": 20}
